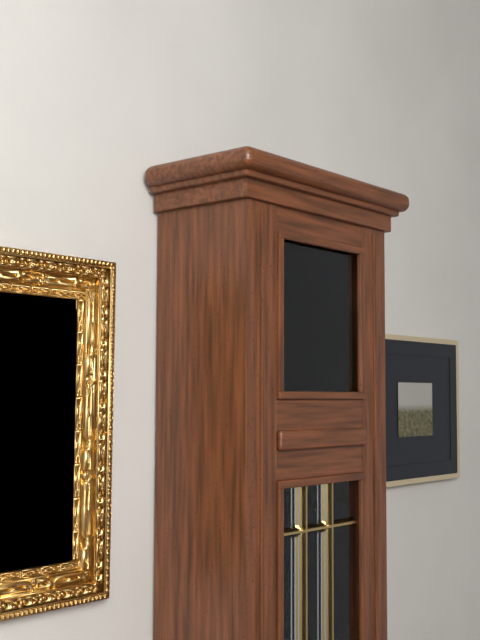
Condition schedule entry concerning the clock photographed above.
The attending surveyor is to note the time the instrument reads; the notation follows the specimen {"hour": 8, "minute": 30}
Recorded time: {"hour": 10, "minute": 57}
